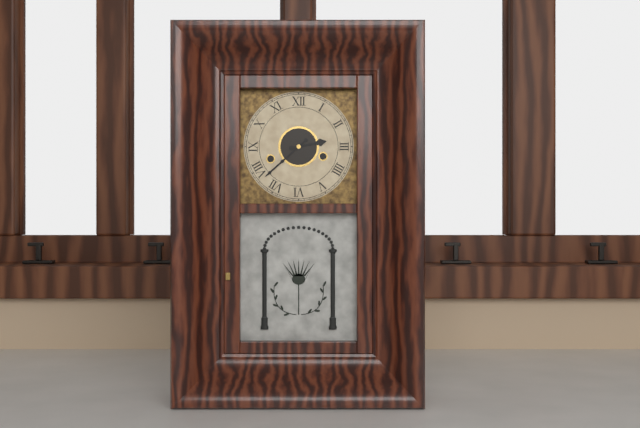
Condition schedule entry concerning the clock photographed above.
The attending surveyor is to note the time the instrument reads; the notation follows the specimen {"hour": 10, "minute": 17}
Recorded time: {"hour": 2, "minute": 38}
